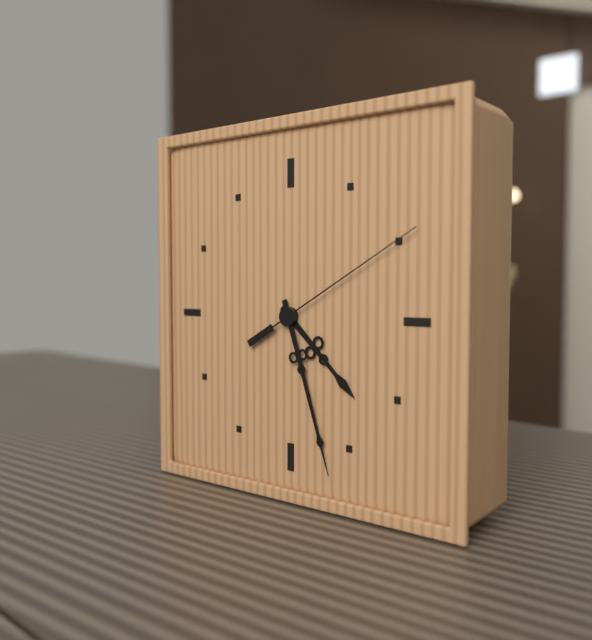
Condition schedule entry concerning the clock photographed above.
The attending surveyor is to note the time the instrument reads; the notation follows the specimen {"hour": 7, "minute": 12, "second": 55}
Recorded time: {"hour": 4, "minute": 27, "second": 10}
